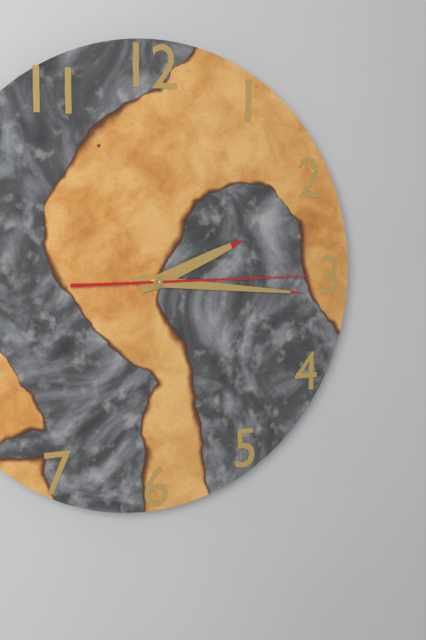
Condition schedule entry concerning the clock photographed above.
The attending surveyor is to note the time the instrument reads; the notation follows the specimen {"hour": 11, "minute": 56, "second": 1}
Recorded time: {"hour": 2, "minute": 16, "second": 15}
